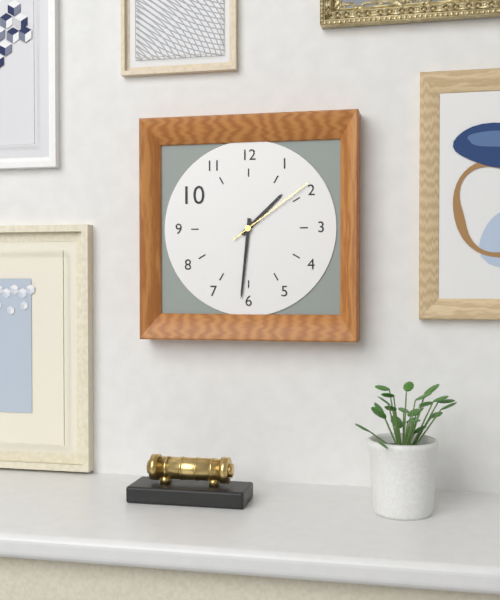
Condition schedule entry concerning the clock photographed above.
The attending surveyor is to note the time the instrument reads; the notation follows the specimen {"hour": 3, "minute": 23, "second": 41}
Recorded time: {"hour": 1, "minute": 31, "second": 9}
